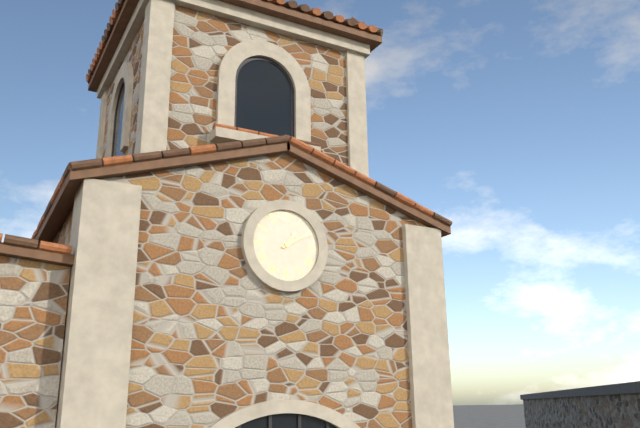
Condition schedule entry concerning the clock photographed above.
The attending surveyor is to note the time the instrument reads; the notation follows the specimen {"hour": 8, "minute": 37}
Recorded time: {"hour": 1, "minute": 10}
